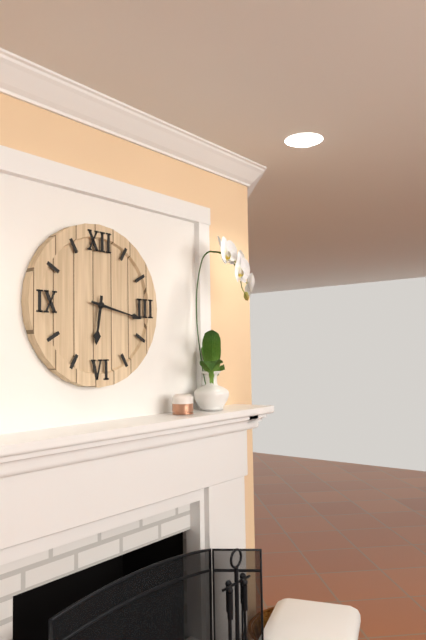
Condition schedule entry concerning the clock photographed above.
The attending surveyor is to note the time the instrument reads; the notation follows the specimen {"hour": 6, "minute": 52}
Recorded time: {"hour": 6, "minute": 17}
